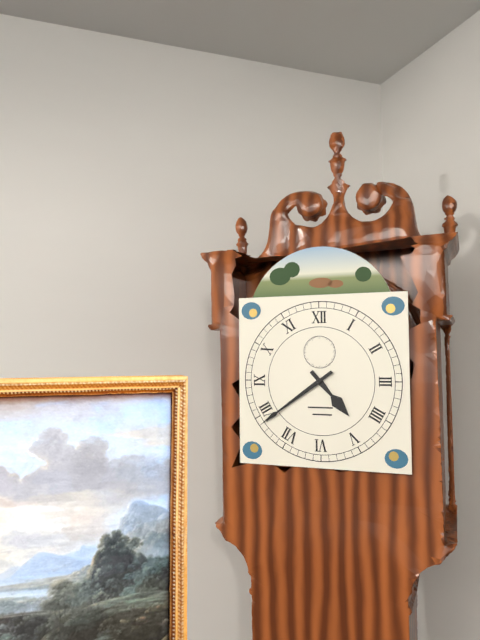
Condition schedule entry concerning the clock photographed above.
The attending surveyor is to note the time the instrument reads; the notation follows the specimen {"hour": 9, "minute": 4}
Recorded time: {"hour": 4, "minute": 39}
